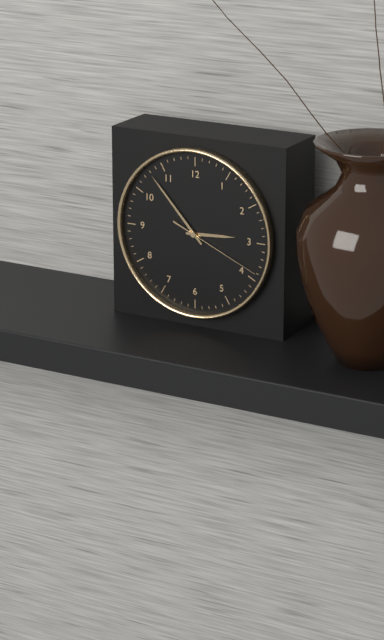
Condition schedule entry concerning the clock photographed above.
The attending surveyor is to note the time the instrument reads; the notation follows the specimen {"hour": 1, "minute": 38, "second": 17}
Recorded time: {"hour": 2, "minute": 53, "second": 19}
